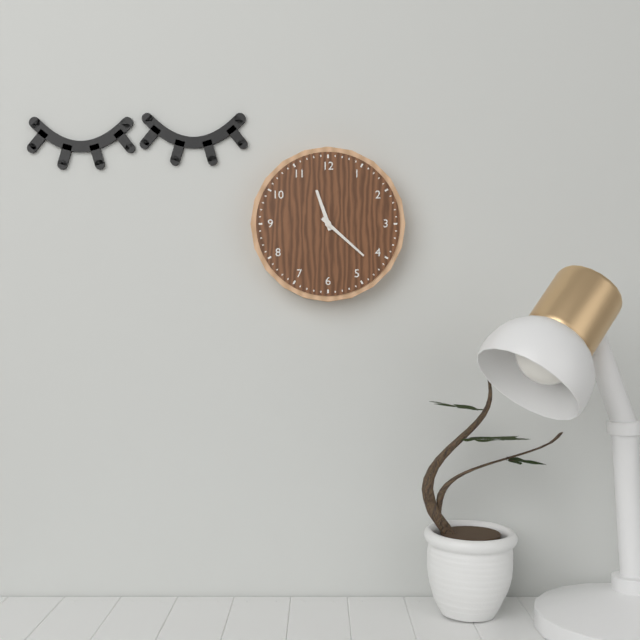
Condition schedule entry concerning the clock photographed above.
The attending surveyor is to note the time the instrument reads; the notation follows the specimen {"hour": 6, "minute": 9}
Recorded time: {"hour": 11, "minute": 22}
